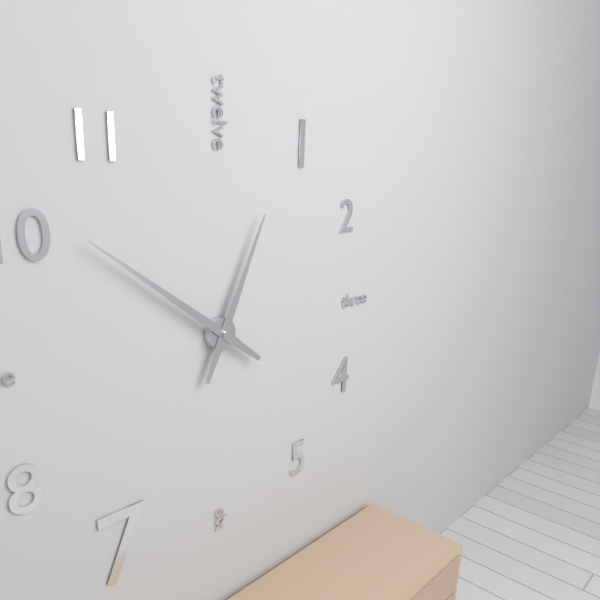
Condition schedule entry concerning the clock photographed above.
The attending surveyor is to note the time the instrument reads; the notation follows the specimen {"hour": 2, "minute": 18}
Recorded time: {"hour": 12, "minute": 51}
